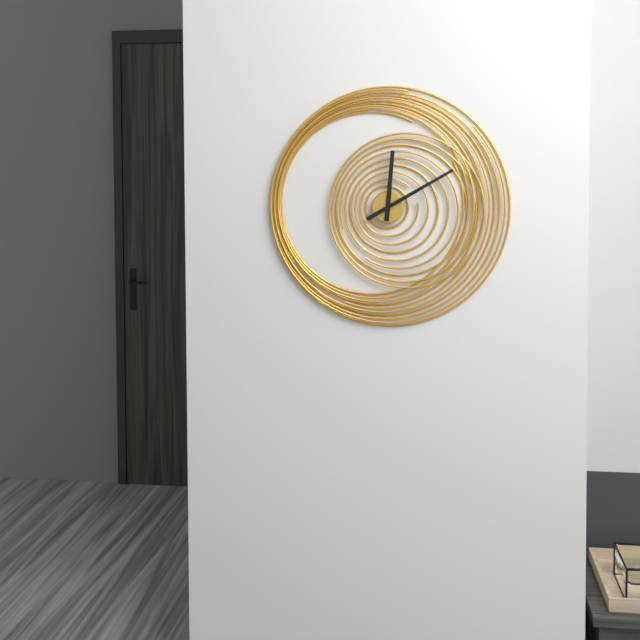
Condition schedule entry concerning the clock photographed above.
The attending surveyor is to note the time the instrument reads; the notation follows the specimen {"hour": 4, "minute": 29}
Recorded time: {"hour": 12, "minute": 10}
